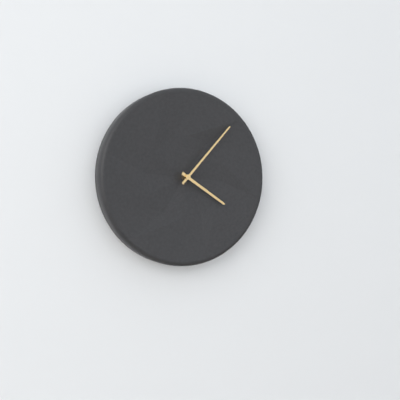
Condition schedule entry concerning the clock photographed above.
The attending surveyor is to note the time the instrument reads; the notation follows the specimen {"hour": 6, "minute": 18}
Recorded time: {"hour": 4, "minute": 7}
